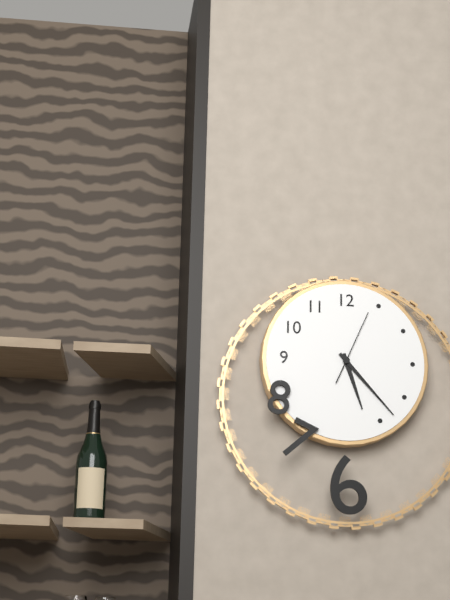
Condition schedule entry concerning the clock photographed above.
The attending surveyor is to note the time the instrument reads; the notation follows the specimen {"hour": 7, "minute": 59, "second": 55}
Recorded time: {"hour": 5, "minute": 23, "second": 4}
